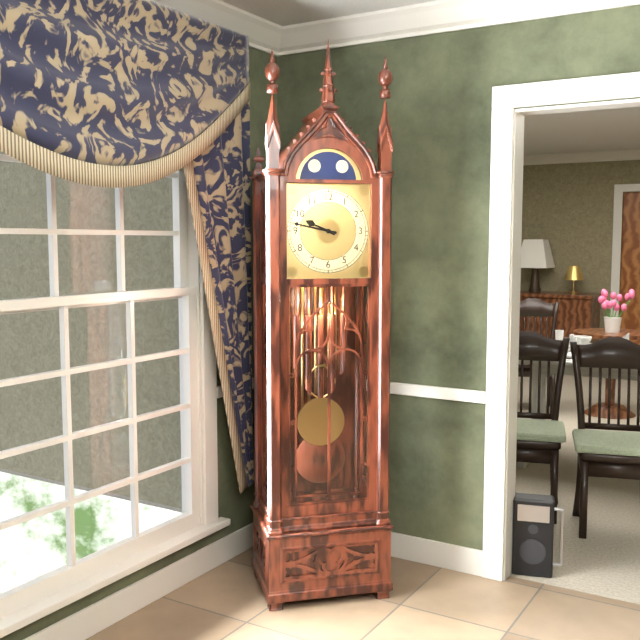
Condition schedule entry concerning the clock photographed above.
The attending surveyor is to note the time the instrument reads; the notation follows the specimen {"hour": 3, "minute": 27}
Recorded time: {"hour": 9, "minute": 47}
